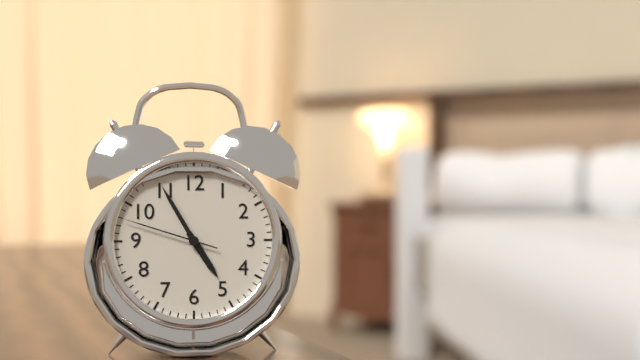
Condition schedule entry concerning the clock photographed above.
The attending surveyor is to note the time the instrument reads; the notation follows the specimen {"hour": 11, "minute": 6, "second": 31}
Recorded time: {"hour": 4, "minute": 55, "second": 48}
